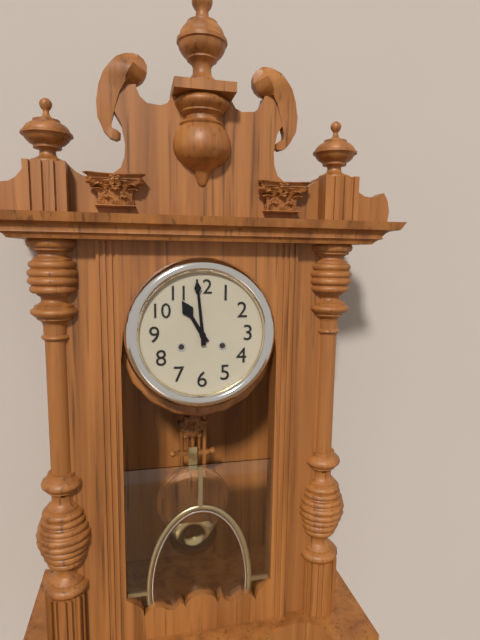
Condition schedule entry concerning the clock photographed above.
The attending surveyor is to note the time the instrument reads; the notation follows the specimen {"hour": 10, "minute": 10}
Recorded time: {"hour": 10, "minute": 59}
